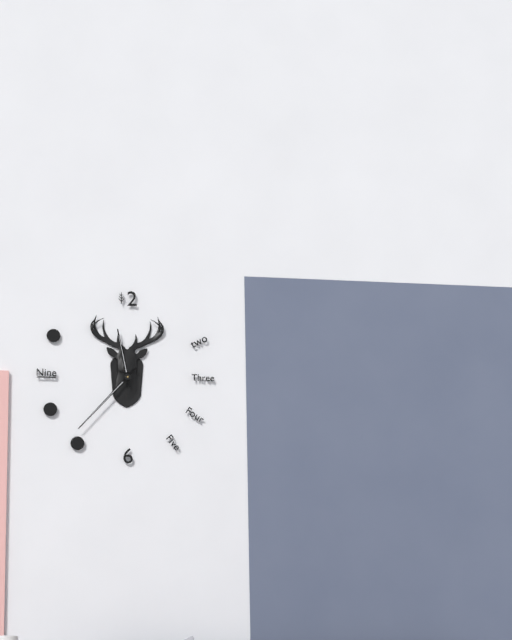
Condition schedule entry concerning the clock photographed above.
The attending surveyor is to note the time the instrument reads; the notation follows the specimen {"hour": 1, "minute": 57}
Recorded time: {"hour": 11, "minute": 37}
